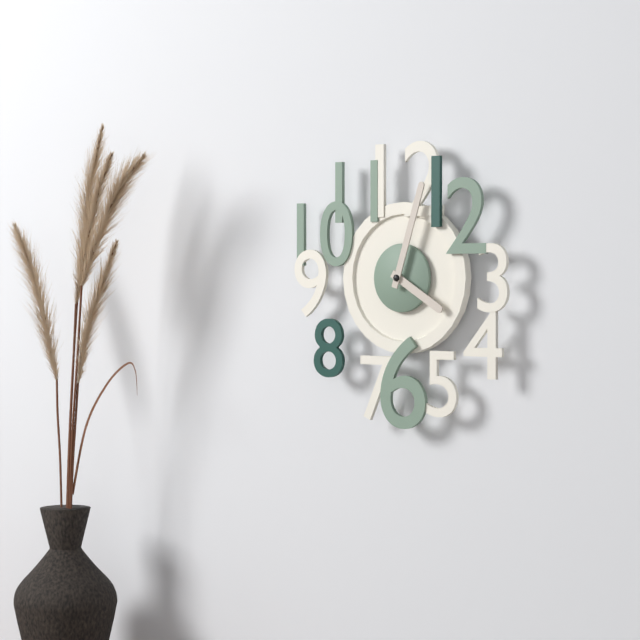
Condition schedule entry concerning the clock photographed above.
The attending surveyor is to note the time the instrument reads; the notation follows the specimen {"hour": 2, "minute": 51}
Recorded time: {"hour": 4, "minute": 3}
